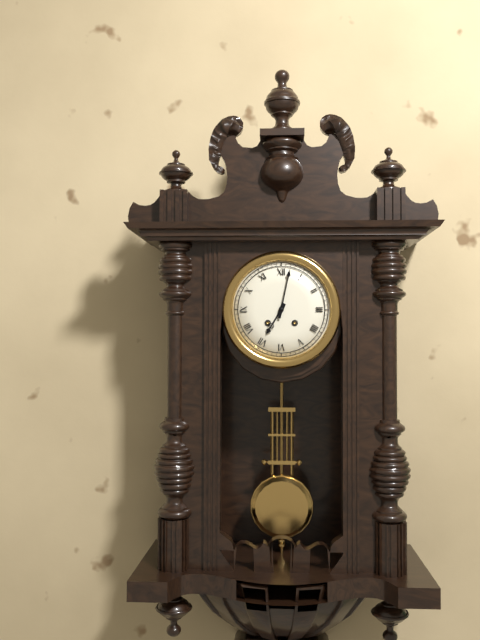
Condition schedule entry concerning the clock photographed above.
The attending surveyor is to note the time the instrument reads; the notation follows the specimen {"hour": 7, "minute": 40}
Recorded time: {"hour": 7, "minute": 2}
